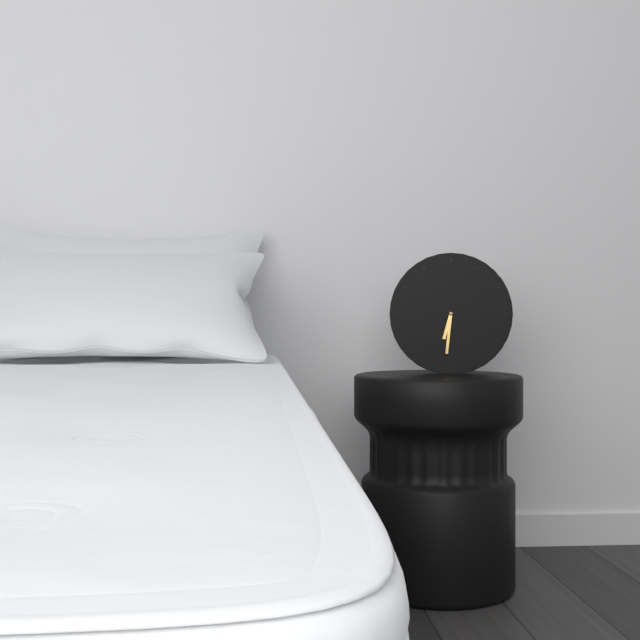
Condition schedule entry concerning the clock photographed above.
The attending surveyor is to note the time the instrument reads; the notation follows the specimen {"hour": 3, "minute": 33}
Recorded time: {"hour": 6, "minute": 31}
